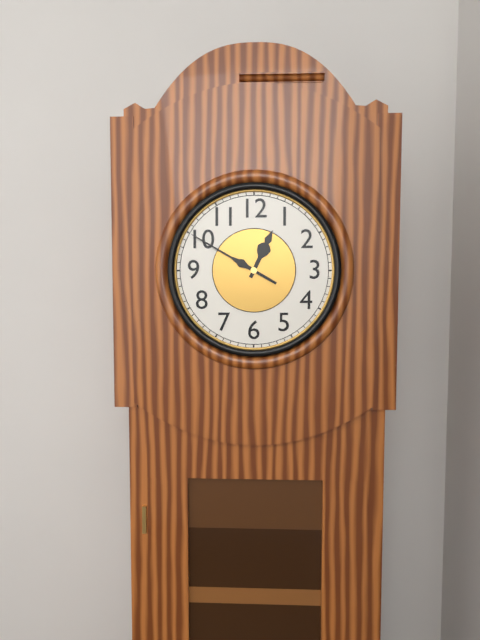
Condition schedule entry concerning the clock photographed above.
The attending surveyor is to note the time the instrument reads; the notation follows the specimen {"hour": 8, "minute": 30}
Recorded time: {"hour": 12, "minute": 50}
